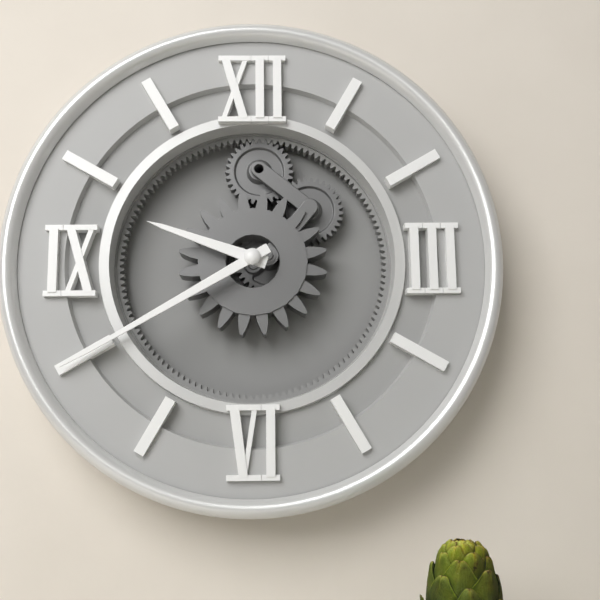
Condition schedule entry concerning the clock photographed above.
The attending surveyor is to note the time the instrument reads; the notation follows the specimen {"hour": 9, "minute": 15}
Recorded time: {"hour": 9, "minute": 40}
